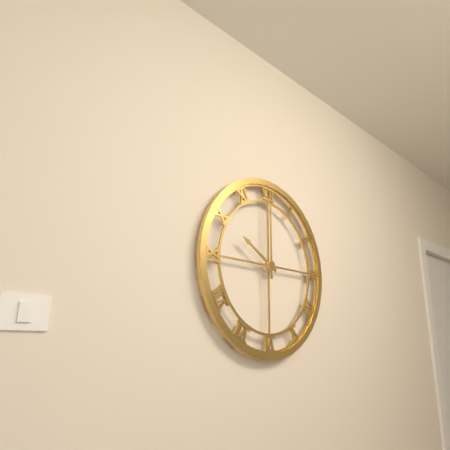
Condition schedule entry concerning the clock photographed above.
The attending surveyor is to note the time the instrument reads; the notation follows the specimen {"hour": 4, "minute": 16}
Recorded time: {"hour": 10, "minute": 0}
